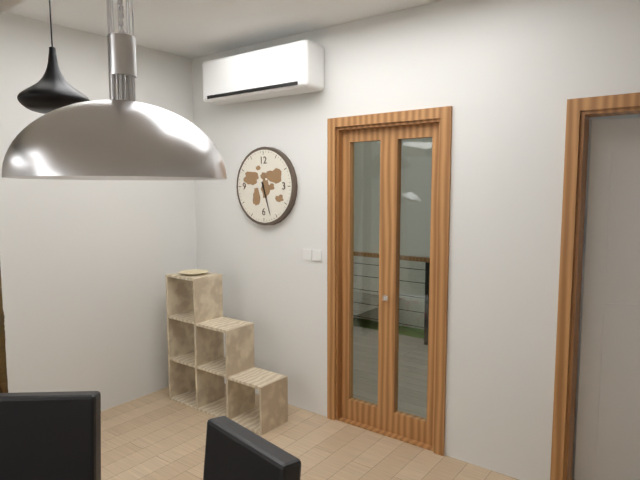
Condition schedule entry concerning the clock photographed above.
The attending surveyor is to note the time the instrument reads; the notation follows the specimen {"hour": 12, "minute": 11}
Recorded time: {"hour": 5, "minute": 27}
